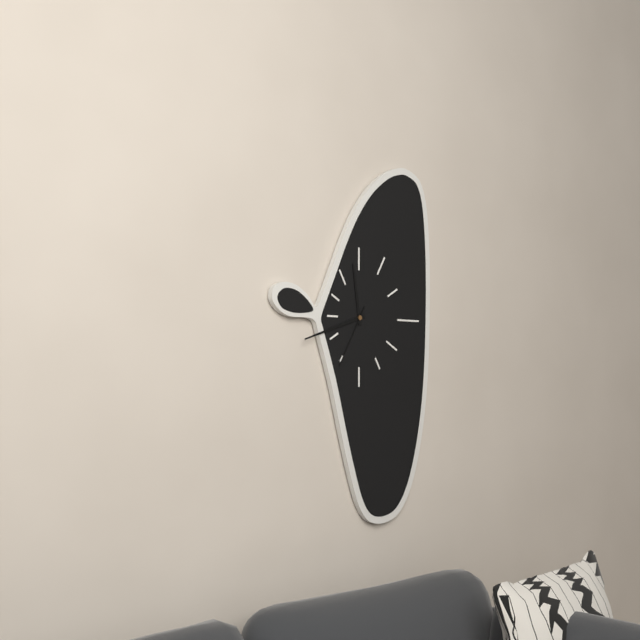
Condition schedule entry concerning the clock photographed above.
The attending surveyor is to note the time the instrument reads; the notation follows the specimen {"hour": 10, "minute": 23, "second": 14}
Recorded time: {"hour": 11, "minute": 42, "second": 35}
